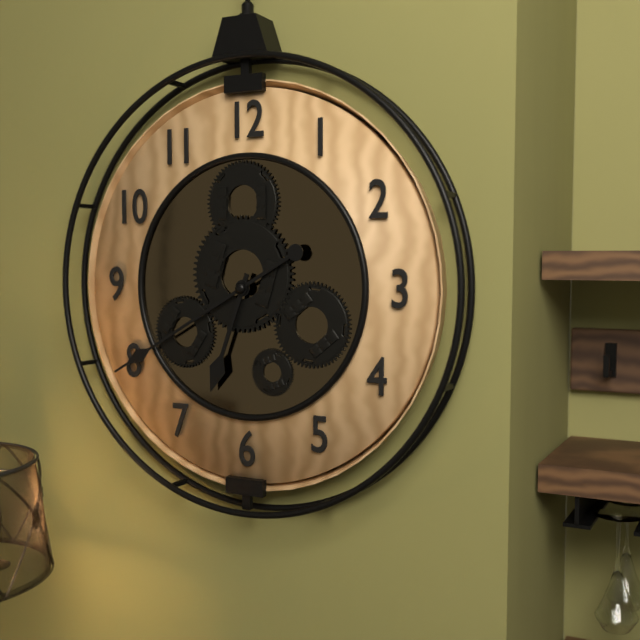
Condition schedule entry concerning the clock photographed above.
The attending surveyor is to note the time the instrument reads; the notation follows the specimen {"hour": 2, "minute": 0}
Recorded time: {"hour": 6, "minute": 40}
